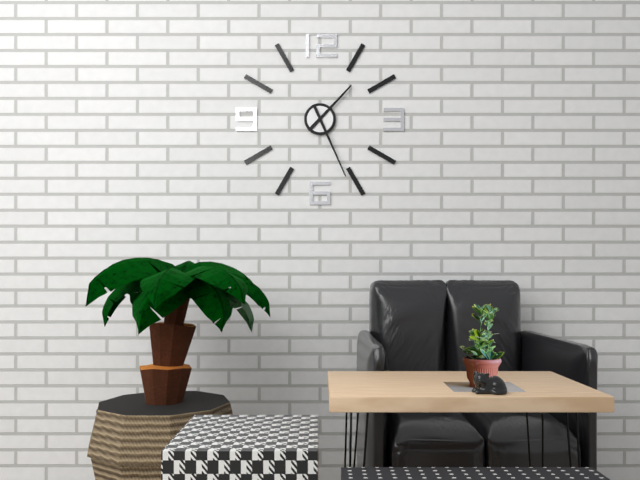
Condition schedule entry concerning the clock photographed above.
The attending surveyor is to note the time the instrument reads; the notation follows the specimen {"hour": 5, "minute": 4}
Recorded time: {"hour": 1, "minute": 26}
